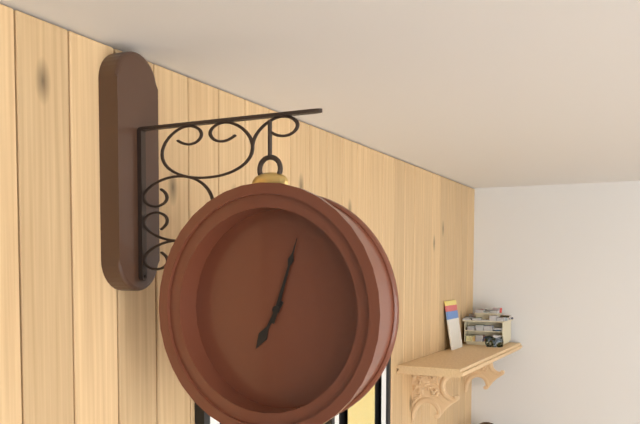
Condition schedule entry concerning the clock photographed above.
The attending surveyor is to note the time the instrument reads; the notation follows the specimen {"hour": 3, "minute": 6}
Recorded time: {"hour": 7, "minute": 3}
